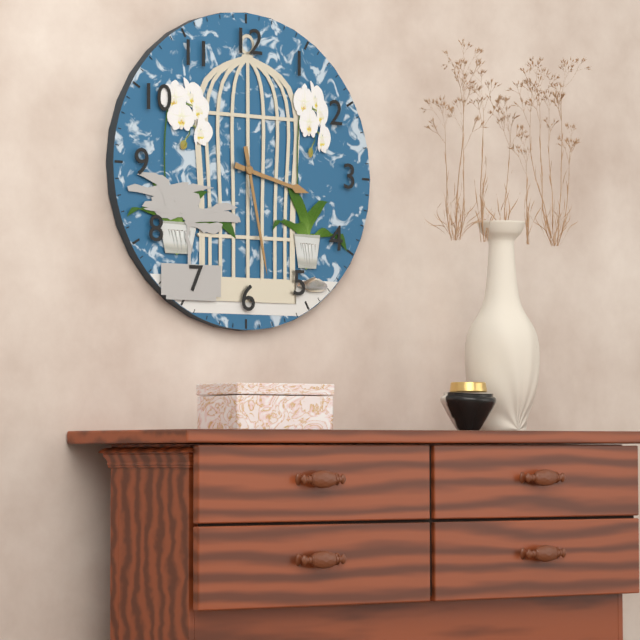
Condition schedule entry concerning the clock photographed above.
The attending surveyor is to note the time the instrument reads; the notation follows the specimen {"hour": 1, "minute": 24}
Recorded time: {"hour": 3, "minute": 28}
